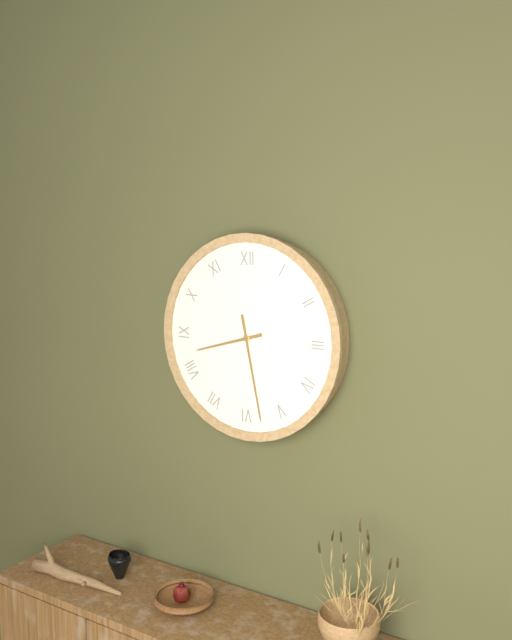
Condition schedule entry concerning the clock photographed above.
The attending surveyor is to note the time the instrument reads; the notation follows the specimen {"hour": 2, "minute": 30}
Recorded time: {"hour": 8, "minute": 28}
